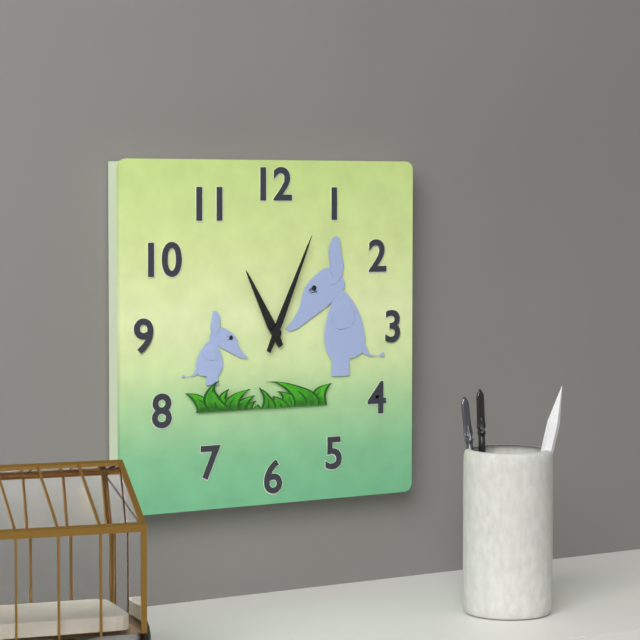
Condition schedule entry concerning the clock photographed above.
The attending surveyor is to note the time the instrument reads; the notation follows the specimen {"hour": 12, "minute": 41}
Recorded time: {"hour": 11, "minute": 4}
